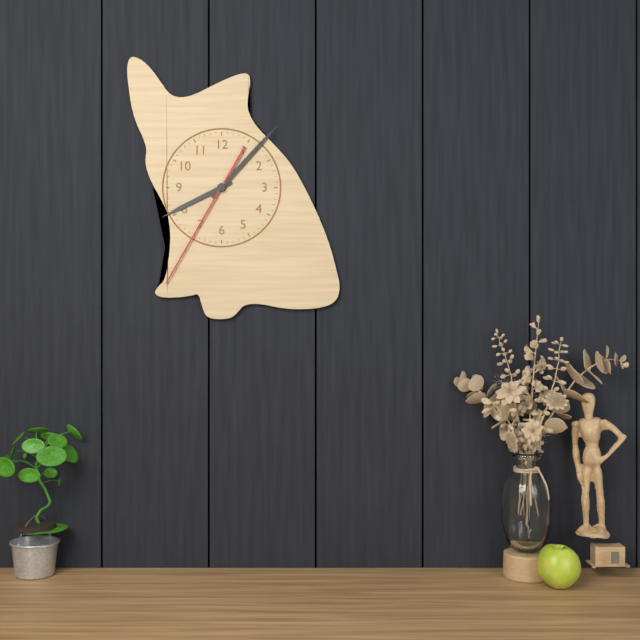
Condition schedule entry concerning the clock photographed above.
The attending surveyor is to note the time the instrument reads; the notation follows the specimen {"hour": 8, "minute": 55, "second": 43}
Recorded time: {"hour": 8, "minute": 7, "second": 35}
